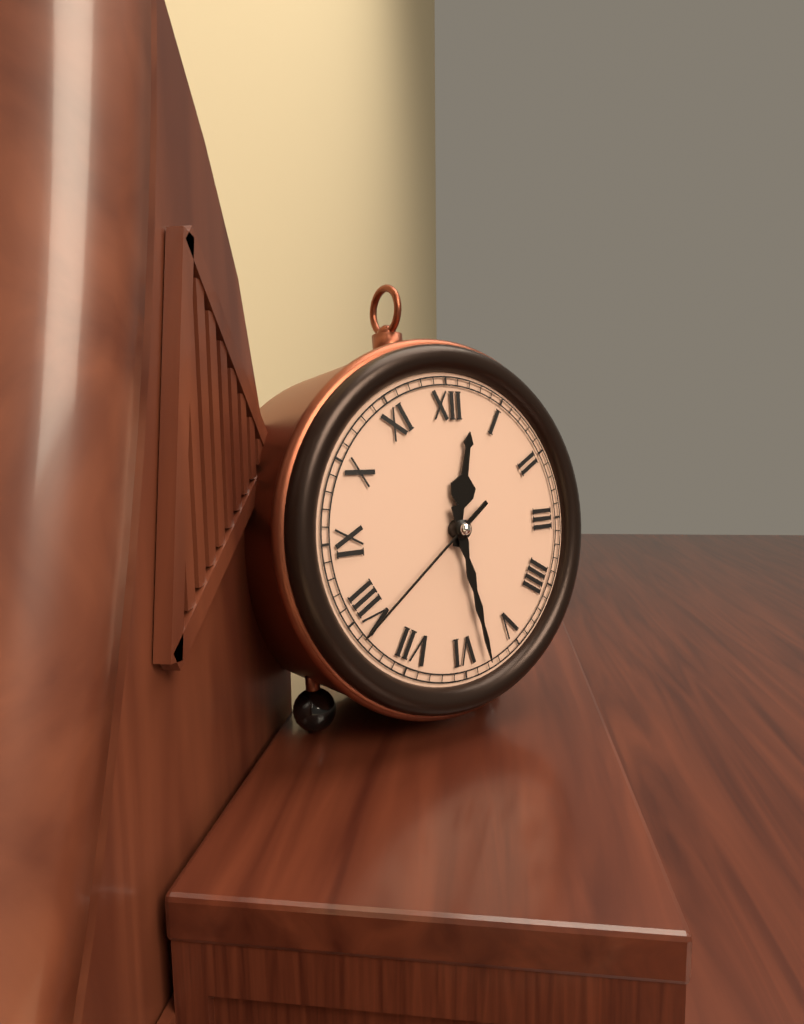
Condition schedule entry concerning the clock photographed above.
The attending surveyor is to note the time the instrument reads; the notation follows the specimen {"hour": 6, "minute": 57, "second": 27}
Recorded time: {"hour": 12, "minute": 28, "second": 39}
